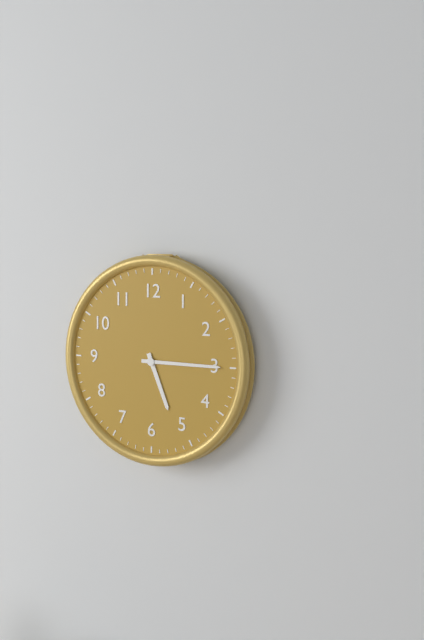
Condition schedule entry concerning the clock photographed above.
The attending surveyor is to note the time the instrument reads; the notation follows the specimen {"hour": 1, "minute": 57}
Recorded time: {"hour": 5, "minute": 15}
